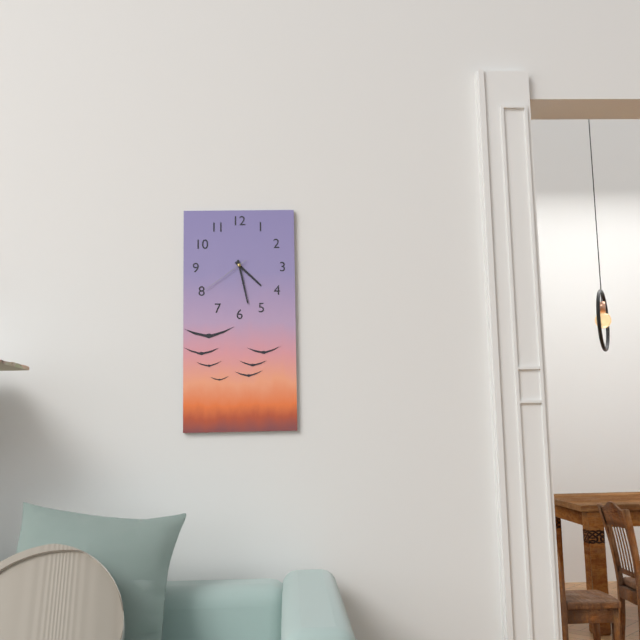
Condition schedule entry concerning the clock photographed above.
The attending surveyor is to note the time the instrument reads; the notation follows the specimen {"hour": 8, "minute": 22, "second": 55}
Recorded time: {"hour": 4, "minute": 28, "second": 39}
